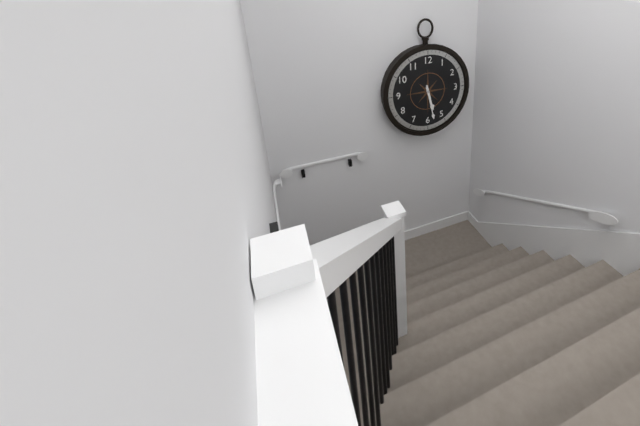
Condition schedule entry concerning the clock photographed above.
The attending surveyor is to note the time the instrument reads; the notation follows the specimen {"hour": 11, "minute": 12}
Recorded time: {"hour": 5, "minute": 28}
